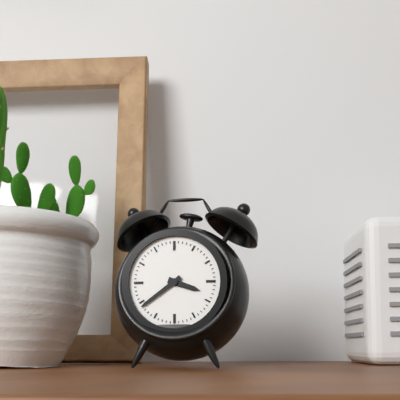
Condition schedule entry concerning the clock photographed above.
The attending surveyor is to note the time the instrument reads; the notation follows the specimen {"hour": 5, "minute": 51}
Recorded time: {"hour": 3, "minute": 39}
